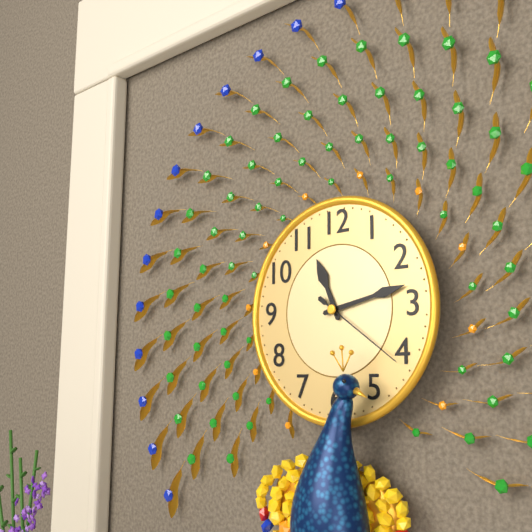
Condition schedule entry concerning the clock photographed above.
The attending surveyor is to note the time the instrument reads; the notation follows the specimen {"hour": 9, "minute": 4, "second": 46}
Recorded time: {"hour": 11, "minute": 13, "second": 21}
